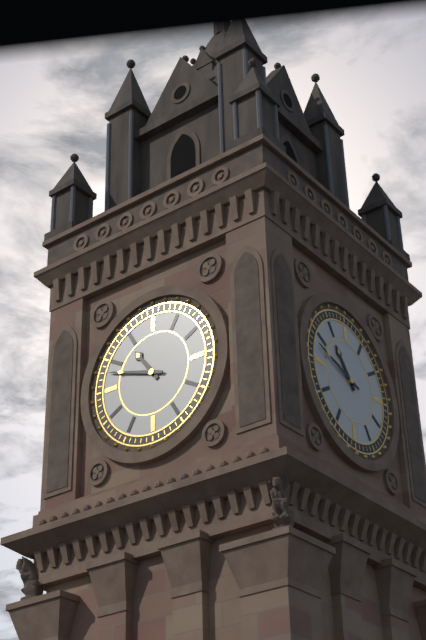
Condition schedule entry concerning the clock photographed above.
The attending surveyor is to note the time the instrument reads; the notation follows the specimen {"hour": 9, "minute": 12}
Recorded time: {"hour": 10, "minute": 48}
